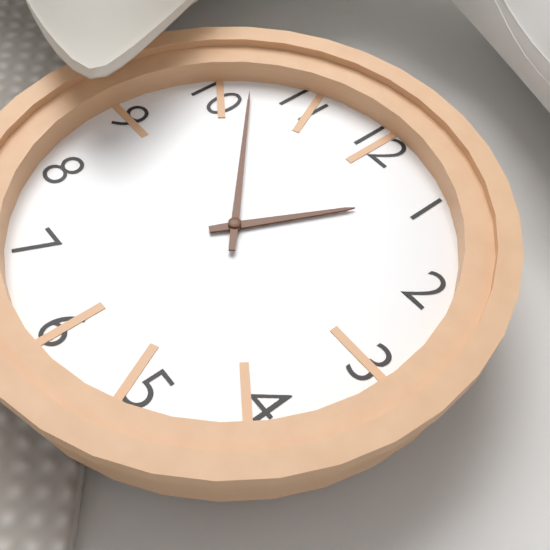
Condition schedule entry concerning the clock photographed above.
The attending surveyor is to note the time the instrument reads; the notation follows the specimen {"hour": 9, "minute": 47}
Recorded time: {"hour": 12, "minute": 52}
